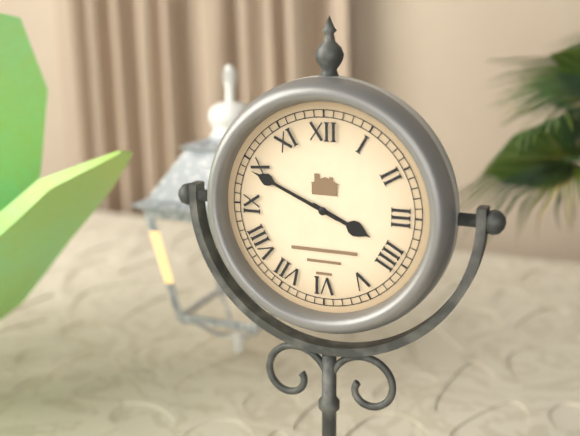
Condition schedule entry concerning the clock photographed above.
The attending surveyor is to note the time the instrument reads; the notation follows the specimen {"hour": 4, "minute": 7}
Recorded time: {"hour": 3, "minute": 49}
